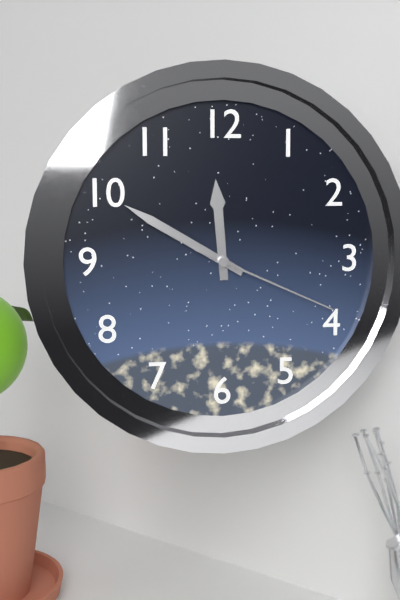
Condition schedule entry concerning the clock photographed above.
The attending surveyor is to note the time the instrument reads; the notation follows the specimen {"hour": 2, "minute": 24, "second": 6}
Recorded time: {"hour": 11, "minute": 50, "second": 19}
